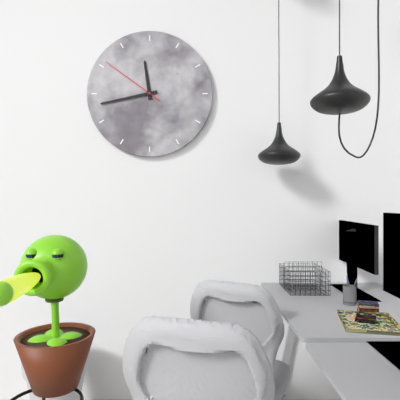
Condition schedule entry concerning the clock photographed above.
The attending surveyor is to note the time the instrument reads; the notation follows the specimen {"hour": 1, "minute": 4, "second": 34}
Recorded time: {"hour": 11, "minute": 43, "second": 51}
